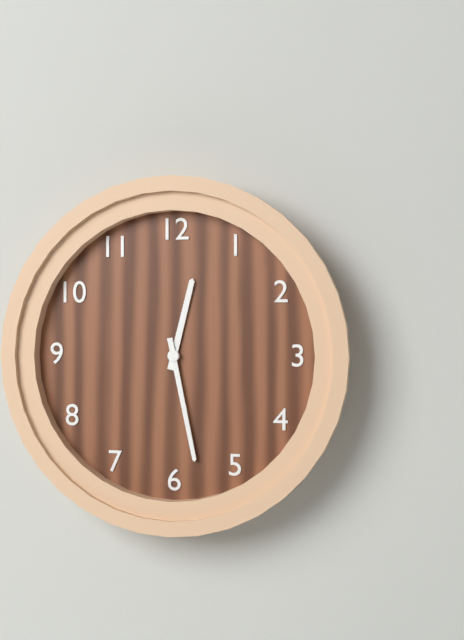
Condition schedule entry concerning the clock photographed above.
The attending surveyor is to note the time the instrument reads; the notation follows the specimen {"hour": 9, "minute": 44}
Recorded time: {"hour": 12, "minute": 28}
